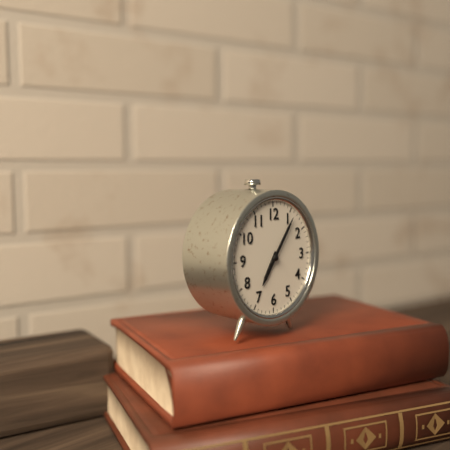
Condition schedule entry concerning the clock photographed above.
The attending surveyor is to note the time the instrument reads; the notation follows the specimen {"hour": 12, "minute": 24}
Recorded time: {"hour": 7, "minute": 6}
